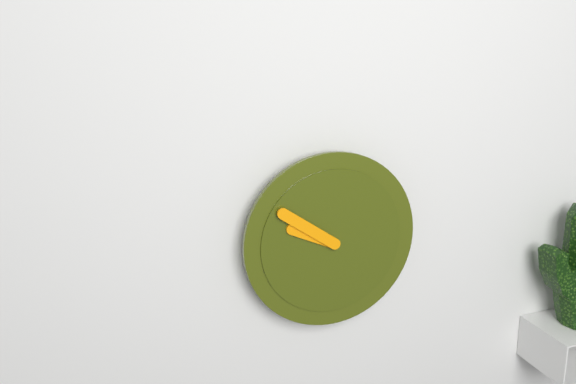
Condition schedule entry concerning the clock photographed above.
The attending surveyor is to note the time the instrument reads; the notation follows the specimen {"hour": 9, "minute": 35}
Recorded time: {"hour": 9, "minute": 51}
